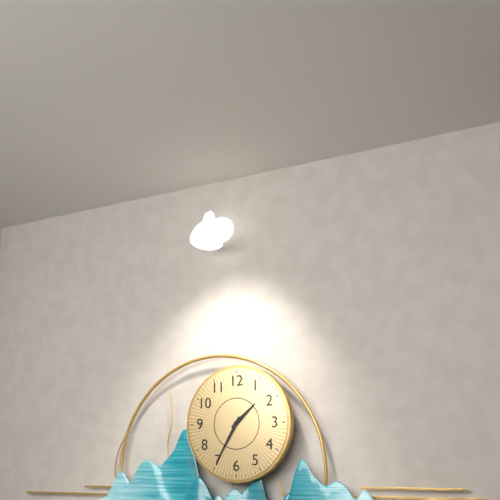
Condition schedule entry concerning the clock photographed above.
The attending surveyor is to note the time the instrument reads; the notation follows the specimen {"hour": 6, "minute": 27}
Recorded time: {"hour": 1, "minute": 35}
